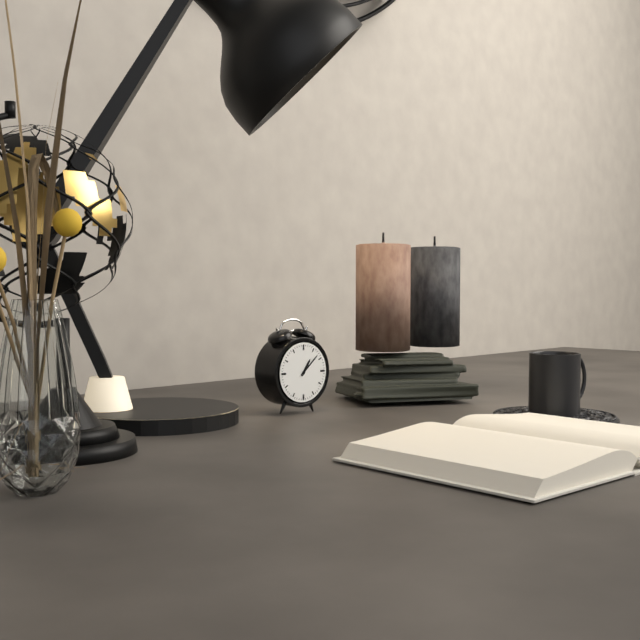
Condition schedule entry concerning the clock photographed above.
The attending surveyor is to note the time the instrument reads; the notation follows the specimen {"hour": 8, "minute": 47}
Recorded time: {"hour": 1, "minute": 8}
